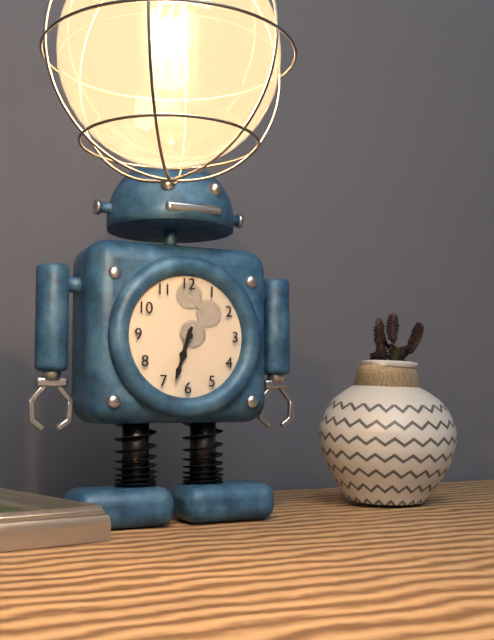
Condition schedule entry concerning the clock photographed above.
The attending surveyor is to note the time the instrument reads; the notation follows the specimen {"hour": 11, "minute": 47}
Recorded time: {"hour": 6, "minute": 33}
